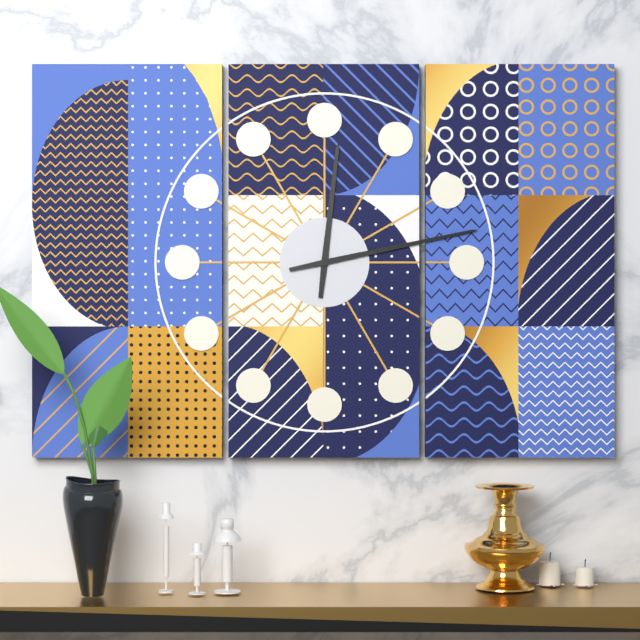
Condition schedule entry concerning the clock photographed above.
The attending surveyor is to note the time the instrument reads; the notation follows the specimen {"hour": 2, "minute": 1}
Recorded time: {"hour": 12, "minute": 13}
